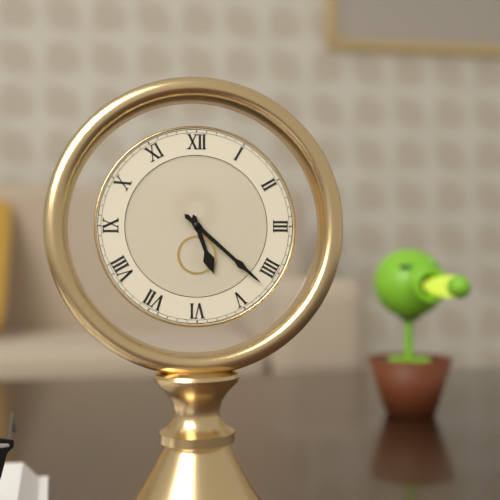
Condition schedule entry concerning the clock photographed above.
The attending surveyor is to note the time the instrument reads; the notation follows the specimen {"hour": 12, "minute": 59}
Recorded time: {"hour": 5, "minute": 22}
